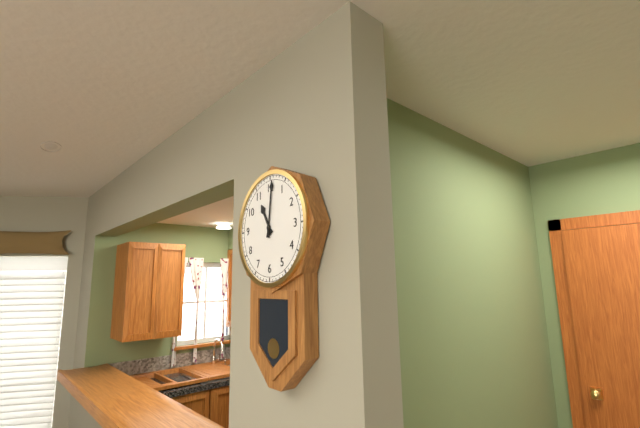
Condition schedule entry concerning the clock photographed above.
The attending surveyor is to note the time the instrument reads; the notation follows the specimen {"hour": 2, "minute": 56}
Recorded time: {"hour": 11, "minute": 1}
